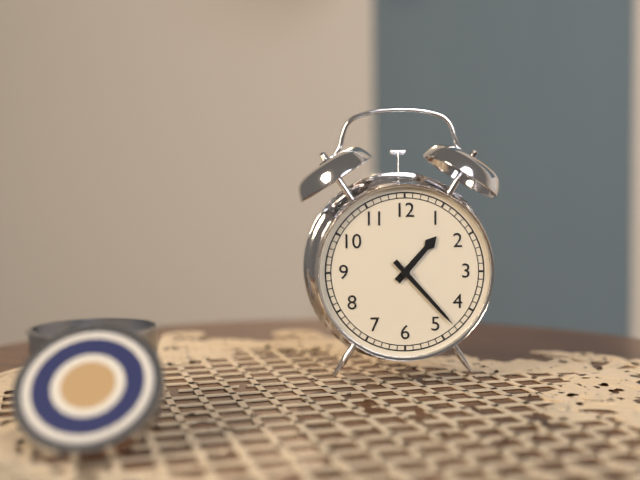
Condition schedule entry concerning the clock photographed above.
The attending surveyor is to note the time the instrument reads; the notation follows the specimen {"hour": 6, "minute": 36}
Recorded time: {"hour": 1, "minute": 23}
